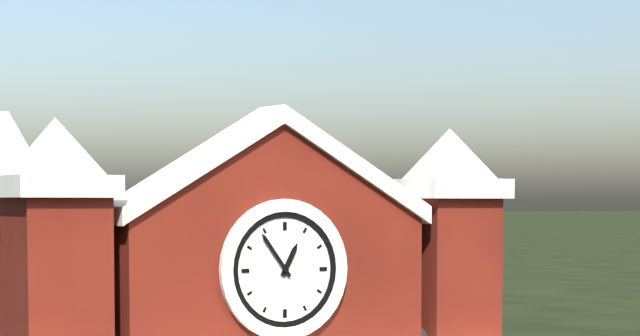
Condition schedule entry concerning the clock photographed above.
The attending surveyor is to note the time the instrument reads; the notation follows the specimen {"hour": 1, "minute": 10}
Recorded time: {"hour": 12, "minute": 54}
